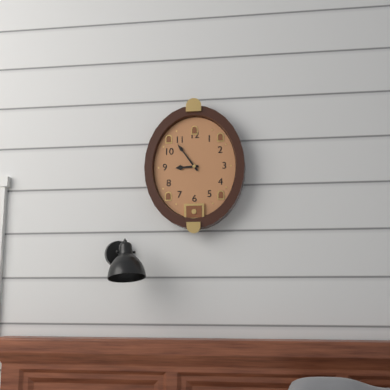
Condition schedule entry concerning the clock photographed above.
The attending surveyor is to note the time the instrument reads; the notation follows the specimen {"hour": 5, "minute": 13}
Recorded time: {"hour": 8, "minute": 54}
